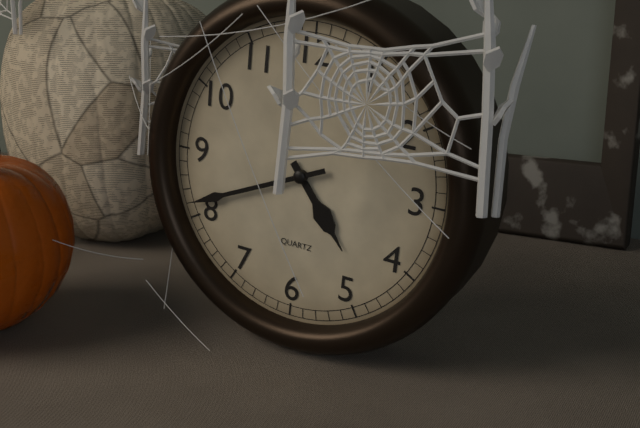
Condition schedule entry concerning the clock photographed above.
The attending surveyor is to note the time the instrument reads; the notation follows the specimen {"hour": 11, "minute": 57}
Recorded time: {"hour": 4, "minute": 41}
